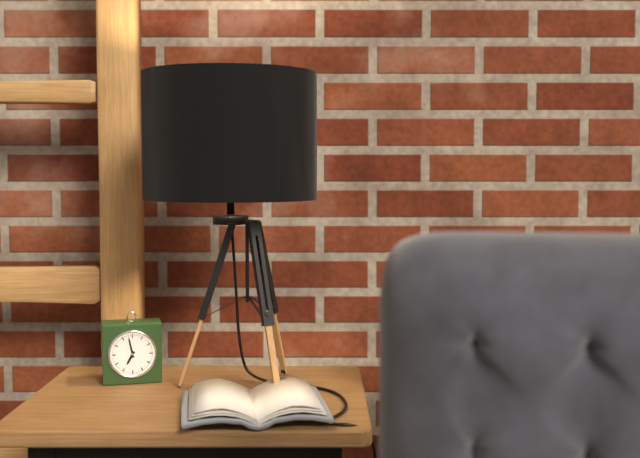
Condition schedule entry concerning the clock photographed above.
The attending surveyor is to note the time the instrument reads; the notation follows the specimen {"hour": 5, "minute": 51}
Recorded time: {"hour": 6, "minute": 58}
